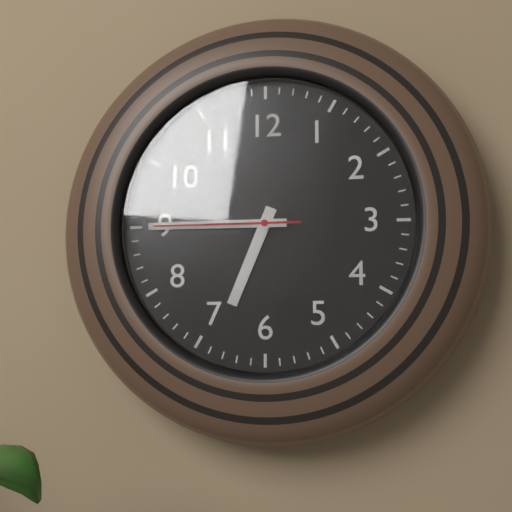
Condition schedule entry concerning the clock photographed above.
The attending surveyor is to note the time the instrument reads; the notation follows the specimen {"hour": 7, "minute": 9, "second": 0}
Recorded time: {"hour": 6, "minute": 45, "second": 45}
